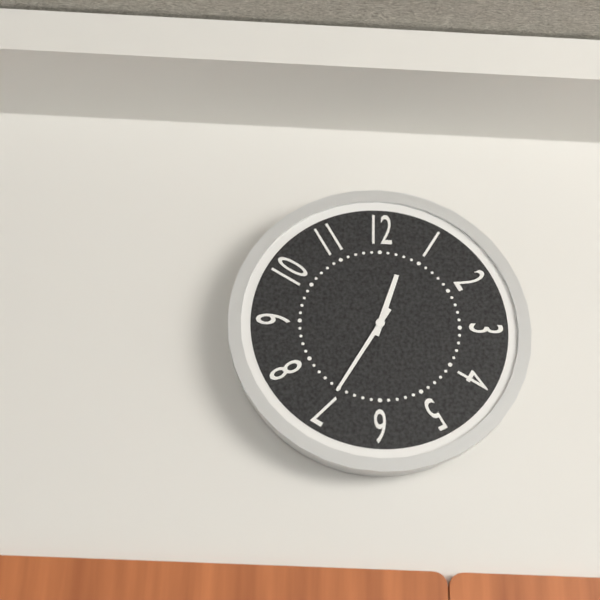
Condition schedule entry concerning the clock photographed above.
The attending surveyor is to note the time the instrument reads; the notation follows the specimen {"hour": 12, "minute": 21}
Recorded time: {"hour": 12, "minute": 35}
